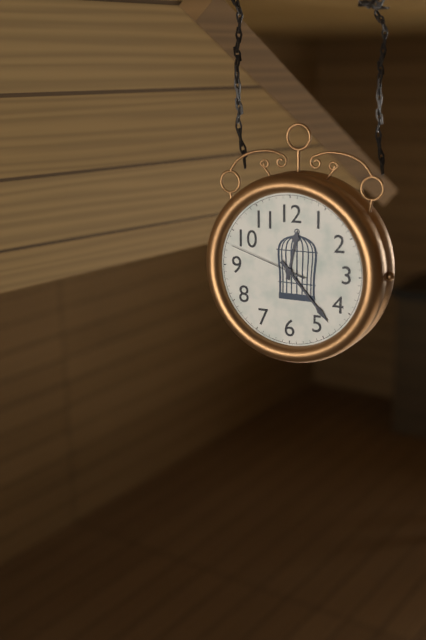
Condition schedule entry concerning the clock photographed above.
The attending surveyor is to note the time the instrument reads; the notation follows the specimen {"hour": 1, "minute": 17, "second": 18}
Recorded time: {"hour": 12, "minute": 23, "second": 48}
